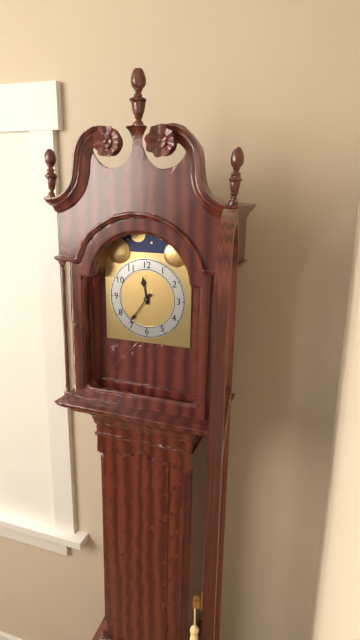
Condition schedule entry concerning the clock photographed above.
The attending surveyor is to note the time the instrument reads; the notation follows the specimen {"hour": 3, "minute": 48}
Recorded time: {"hour": 11, "minute": 36}
